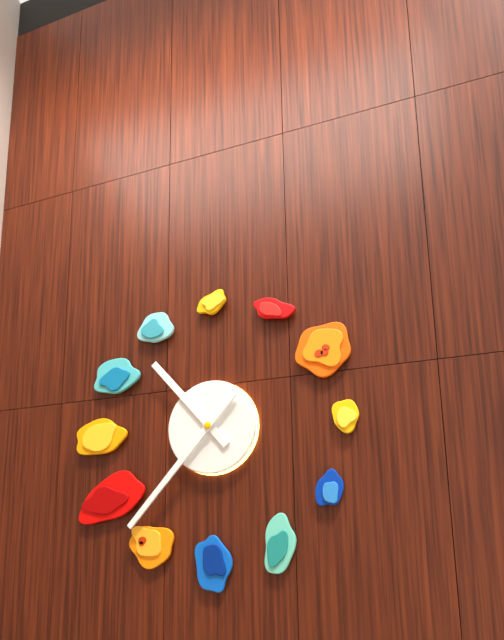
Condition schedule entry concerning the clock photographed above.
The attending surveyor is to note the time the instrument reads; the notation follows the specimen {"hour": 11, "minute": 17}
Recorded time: {"hour": 10, "minute": 37}
